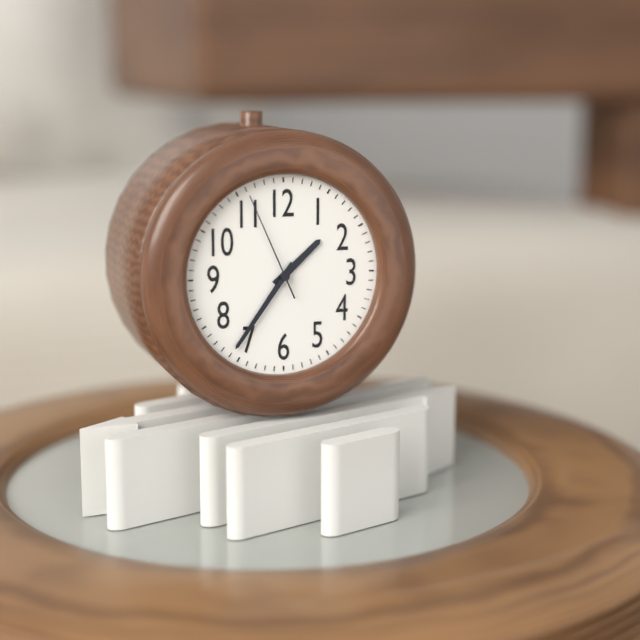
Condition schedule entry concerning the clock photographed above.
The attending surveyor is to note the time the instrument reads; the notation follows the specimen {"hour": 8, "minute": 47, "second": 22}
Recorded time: {"hour": 1, "minute": 36, "second": 56}
